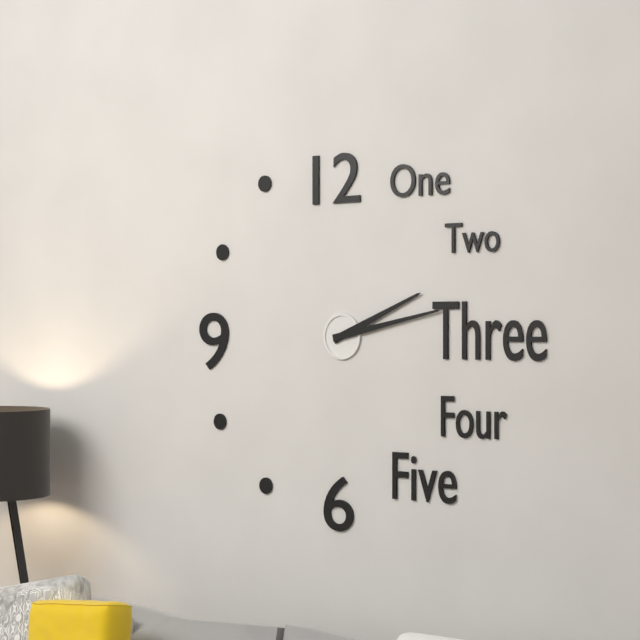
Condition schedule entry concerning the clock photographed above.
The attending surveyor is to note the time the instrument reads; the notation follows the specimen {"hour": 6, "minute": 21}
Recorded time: {"hour": 2, "minute": 13}
